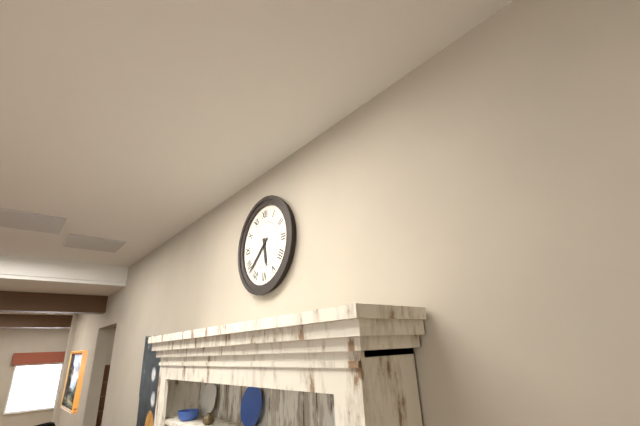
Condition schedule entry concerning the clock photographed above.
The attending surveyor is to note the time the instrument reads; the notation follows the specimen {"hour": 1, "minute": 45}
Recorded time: {"hour": 5, "minute": 38}
